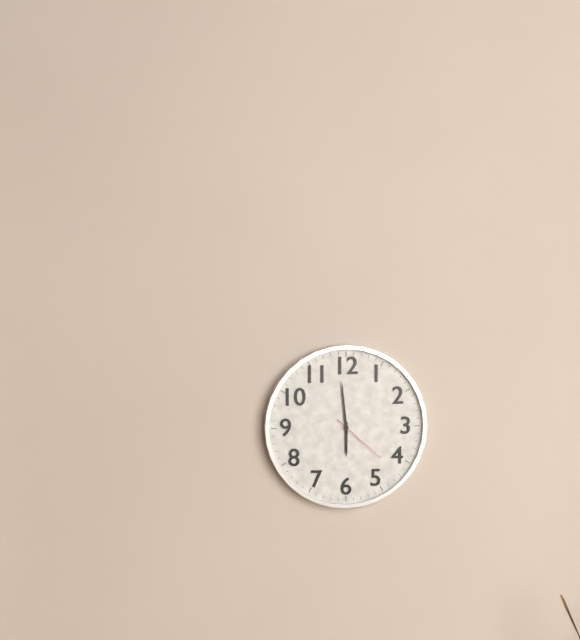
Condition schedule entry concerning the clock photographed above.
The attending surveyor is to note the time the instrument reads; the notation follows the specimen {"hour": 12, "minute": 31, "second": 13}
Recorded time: {"hour": 5, "minute": 59, "second": 22}
